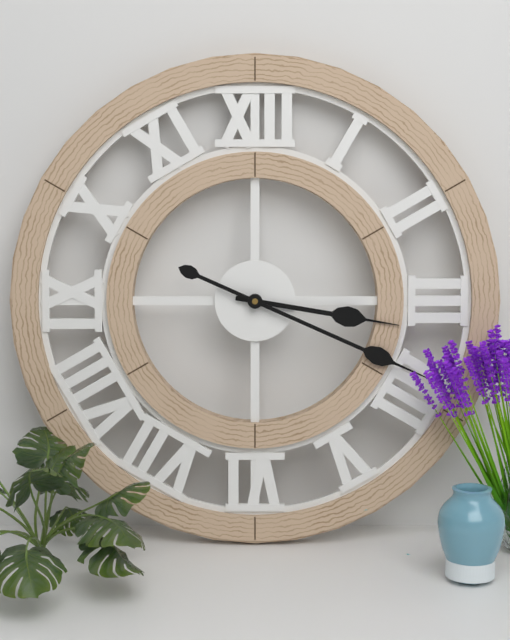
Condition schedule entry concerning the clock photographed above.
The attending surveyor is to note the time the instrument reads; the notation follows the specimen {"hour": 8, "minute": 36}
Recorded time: {"hour": 3, "minute": 19}
